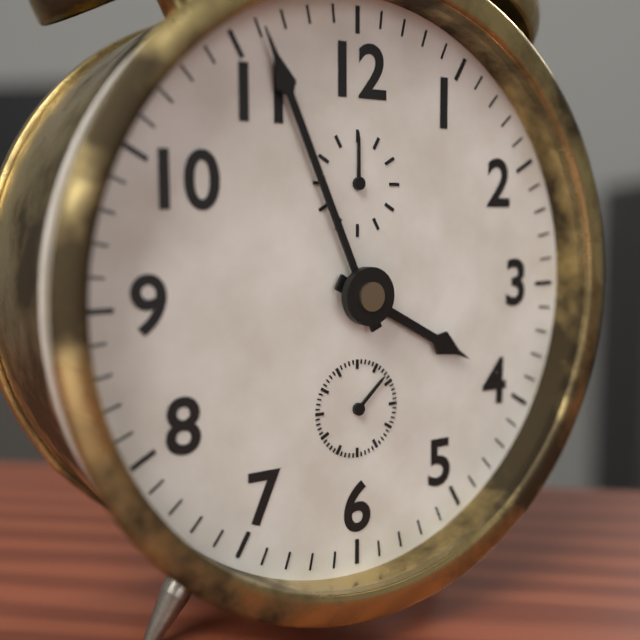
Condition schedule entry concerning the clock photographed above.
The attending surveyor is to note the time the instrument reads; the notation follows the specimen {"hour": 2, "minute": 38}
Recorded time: {"hour": 3, "minute": 56}
